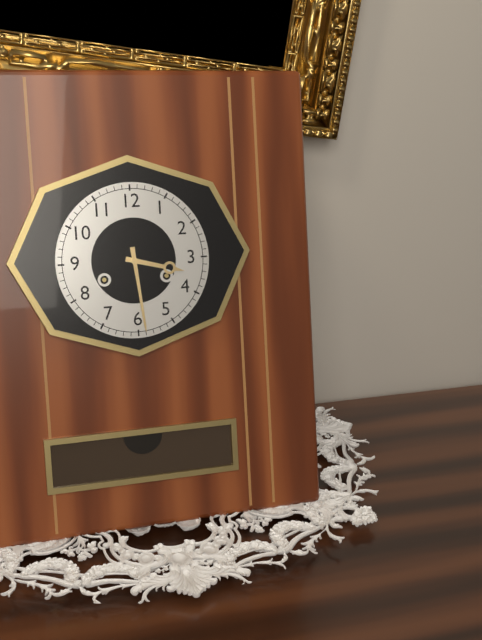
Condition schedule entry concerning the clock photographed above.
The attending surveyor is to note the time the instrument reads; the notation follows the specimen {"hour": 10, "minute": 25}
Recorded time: {"hour": 3, "minute": 29}
